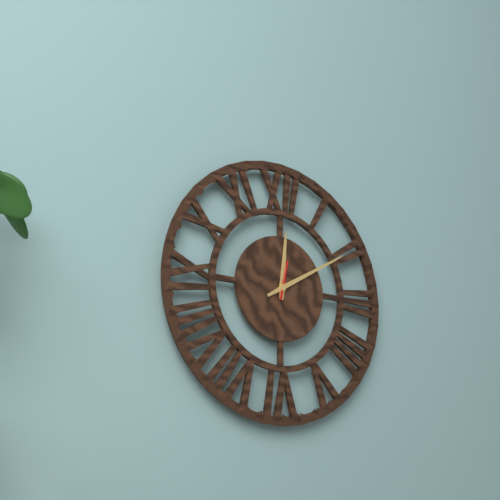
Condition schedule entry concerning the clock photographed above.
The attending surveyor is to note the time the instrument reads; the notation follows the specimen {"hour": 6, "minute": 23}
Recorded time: {"hour": 12, "minute": 10}
